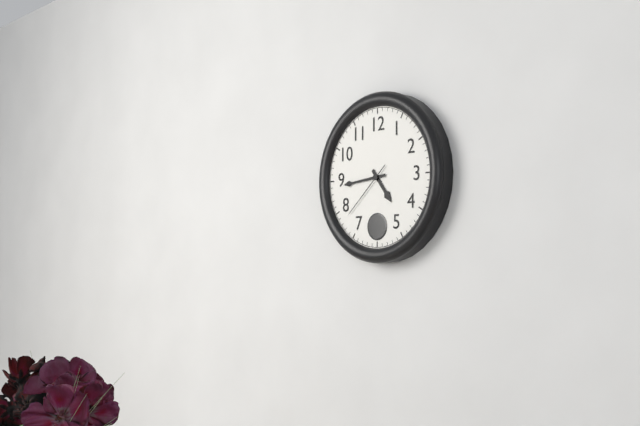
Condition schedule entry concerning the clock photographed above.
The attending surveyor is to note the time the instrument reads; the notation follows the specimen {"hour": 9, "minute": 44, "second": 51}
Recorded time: {"hour": 4, "minute": 44, "second": 38}
